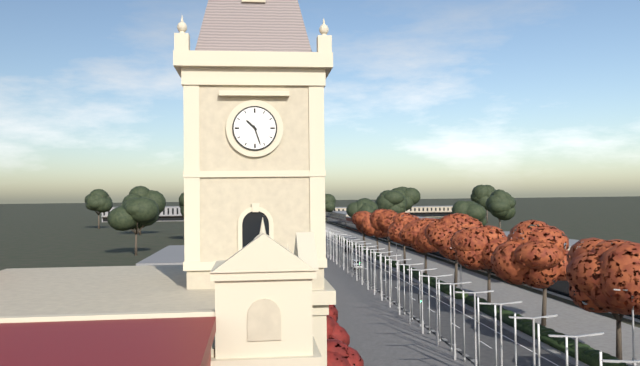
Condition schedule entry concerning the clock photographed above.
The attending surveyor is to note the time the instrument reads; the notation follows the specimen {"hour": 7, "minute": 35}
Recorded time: {"hour": 10, "minute": 27}
